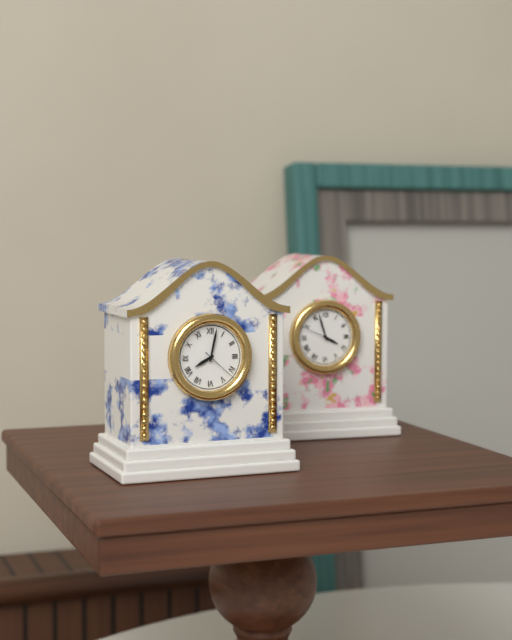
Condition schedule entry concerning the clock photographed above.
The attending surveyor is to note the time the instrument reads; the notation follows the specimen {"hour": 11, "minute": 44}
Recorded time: {"hour": 8, "minute": 2}
